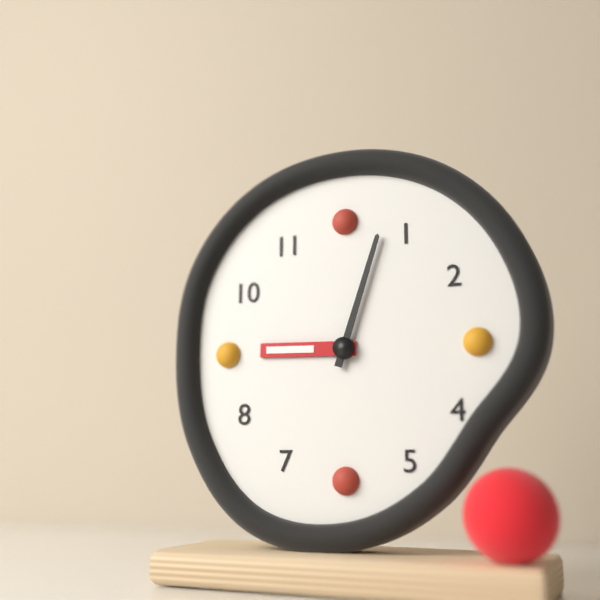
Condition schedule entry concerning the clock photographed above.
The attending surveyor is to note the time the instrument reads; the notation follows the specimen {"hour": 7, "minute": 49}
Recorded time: {"hour": 9, "minute": 3}
